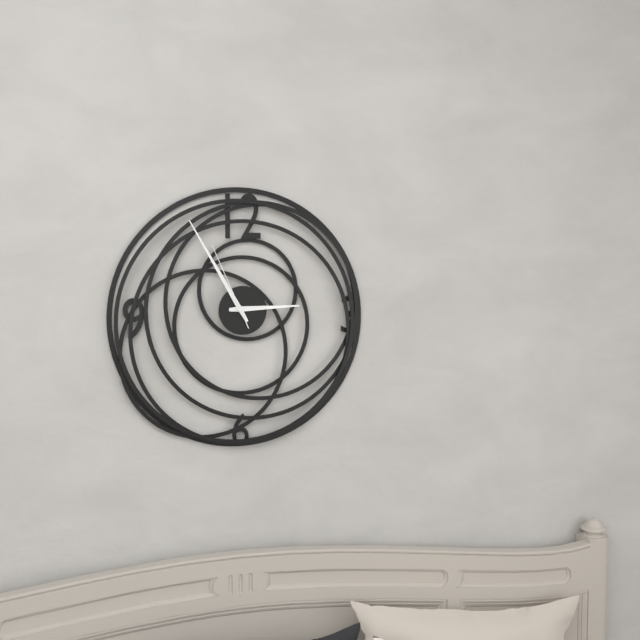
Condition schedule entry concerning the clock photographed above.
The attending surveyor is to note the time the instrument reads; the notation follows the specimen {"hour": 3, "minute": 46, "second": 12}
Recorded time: {"hour": 2, "minute": 55, "second": 56}
